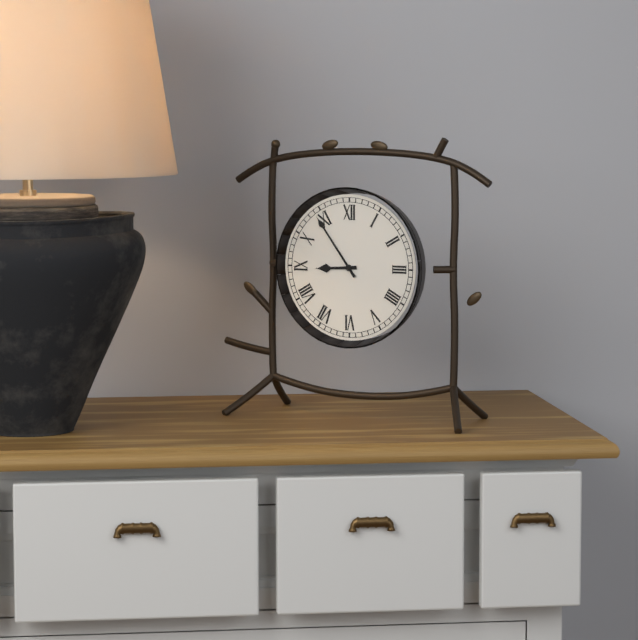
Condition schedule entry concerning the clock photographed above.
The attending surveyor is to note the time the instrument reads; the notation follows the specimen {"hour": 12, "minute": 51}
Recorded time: {"hour": 8, "minute": 54}
